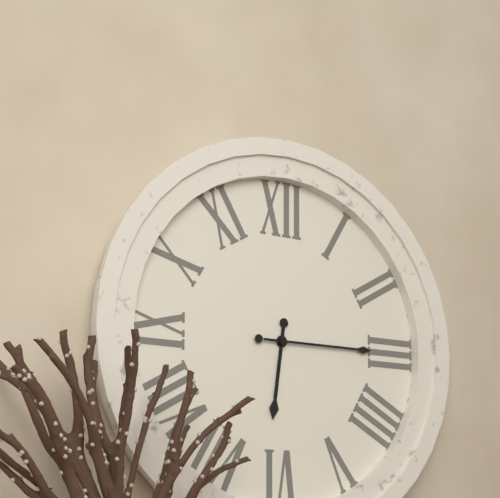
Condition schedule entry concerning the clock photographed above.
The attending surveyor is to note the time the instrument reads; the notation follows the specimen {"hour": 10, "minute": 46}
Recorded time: {"hour": 6, "minute": 15}
